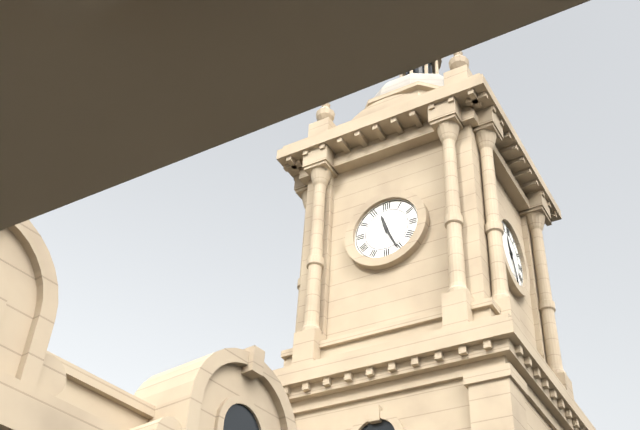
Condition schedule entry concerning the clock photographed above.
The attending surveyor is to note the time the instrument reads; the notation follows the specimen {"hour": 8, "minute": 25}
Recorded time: {"hour": 11, "minute": 26}
